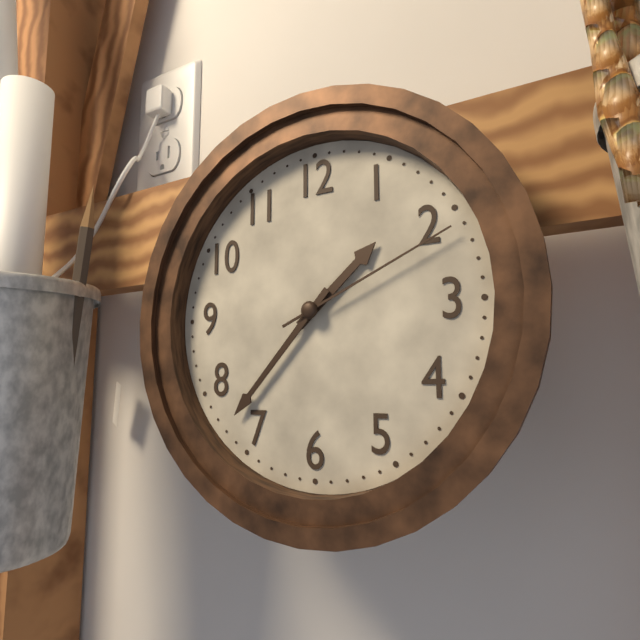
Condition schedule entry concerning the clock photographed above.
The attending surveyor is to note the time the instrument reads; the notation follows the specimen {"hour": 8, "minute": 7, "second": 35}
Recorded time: {"hour": 1, "minute": 37, "second": 11}
